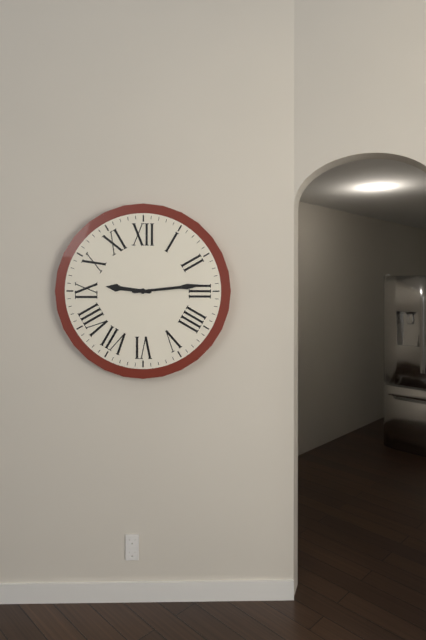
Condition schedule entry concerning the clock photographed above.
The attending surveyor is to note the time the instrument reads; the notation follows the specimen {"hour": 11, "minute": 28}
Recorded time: {"hour": 9, "minute": 14}
